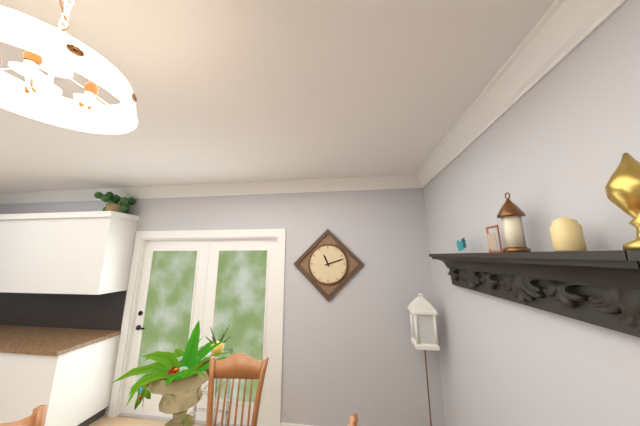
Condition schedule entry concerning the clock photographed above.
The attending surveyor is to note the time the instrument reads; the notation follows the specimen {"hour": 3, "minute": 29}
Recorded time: {"hour": 11, "minute": 12}
